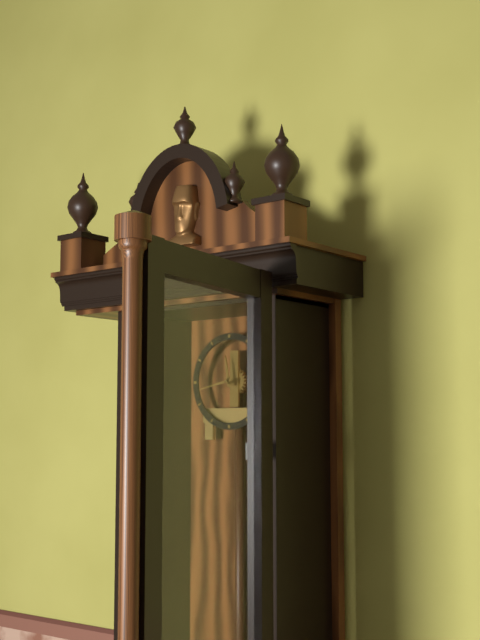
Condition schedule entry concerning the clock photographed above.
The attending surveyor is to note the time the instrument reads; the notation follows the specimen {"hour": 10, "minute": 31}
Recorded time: {"hour": 11, "minute": 43}
